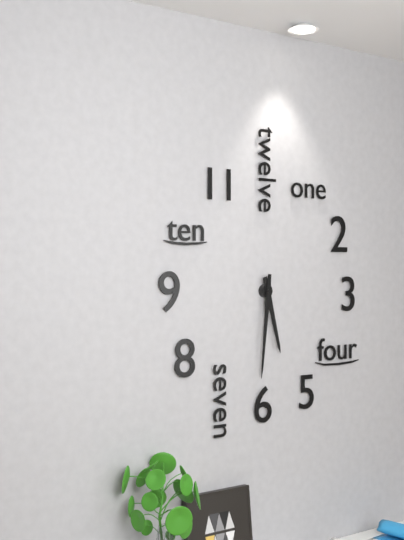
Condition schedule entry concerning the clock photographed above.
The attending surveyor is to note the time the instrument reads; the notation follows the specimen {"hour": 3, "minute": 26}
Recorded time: {"hour": 5, "minute": 31}
